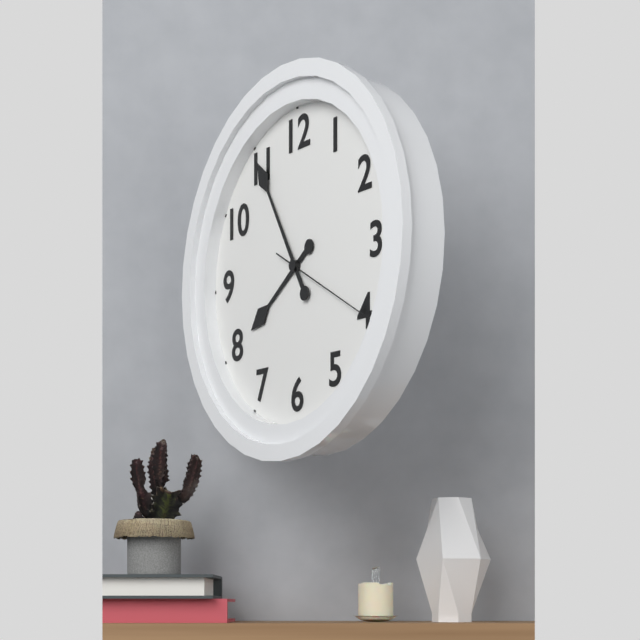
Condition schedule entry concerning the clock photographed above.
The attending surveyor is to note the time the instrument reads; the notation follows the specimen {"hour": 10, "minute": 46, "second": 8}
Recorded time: {"hour": 7, "minute": 55, "second": 20}
